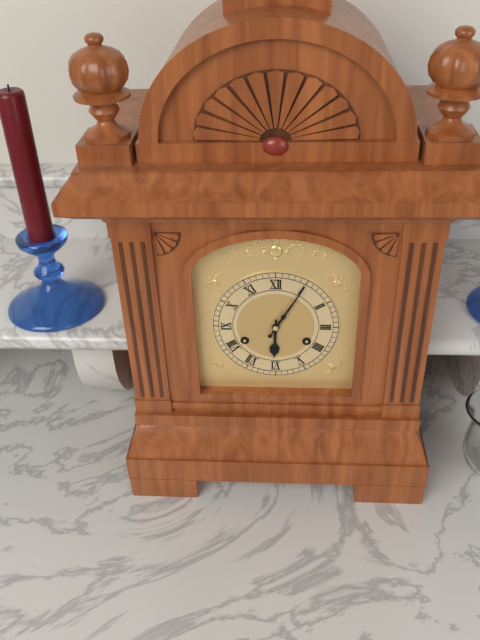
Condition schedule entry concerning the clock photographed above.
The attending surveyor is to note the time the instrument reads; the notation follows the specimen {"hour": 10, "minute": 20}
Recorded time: {"hour": 6, "minute": 5}
